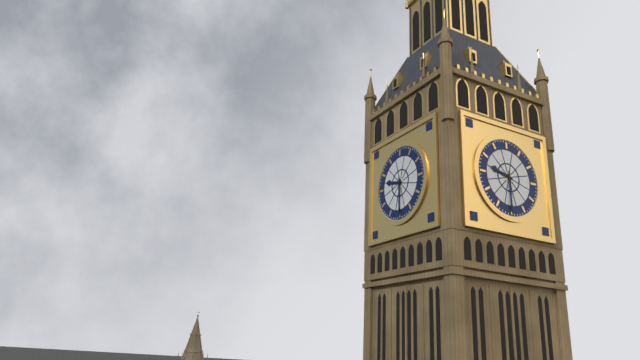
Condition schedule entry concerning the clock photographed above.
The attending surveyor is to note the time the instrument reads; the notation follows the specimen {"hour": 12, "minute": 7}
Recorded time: {"hour": 9, "minute": 30}
